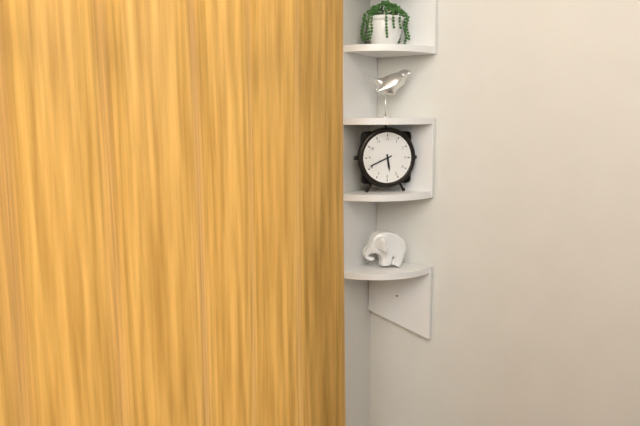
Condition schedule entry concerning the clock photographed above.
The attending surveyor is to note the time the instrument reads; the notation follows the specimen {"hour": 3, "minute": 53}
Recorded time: {"hour": 5, "minute": 41}
